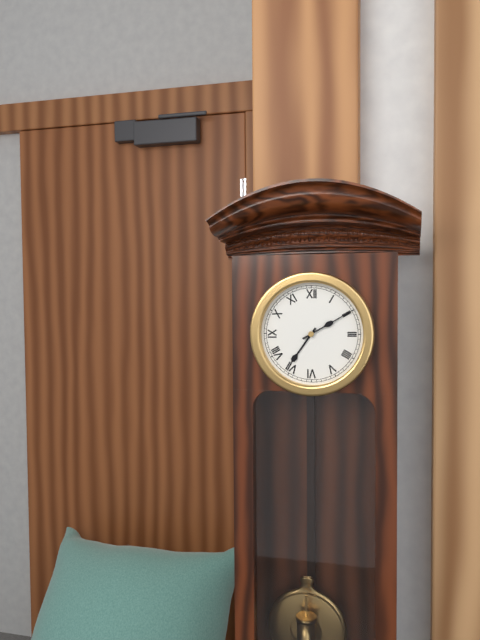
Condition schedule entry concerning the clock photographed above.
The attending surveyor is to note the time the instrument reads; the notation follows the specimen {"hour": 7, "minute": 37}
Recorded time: {"hour": 7, "minute": 10}
